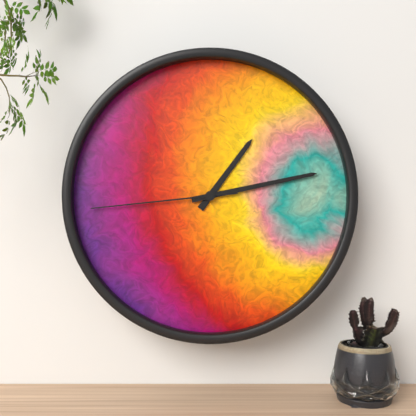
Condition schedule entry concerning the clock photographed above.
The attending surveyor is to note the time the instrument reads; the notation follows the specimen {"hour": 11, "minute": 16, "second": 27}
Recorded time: {"hour": 1, "minute": 13, "second": 44}
